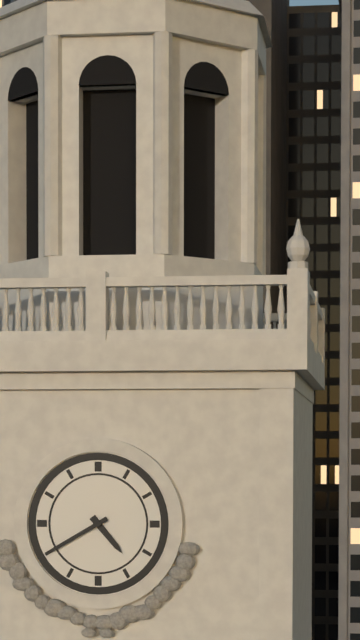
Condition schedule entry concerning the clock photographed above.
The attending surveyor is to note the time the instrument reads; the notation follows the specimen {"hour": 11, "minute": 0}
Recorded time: {"hour": 4, "minute": 40}
